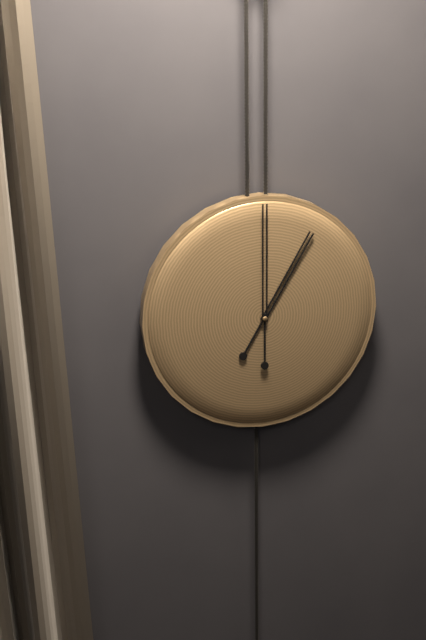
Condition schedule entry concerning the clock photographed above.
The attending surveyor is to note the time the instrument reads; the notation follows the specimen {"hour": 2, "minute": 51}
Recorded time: {"hour": 1, "minute": 0}
